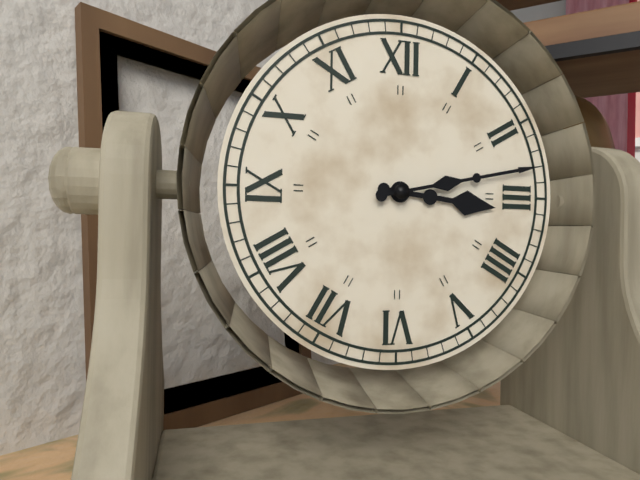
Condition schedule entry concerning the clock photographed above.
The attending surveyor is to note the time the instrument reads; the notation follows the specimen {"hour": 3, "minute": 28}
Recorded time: {"hour": 3, "minute": 13}
